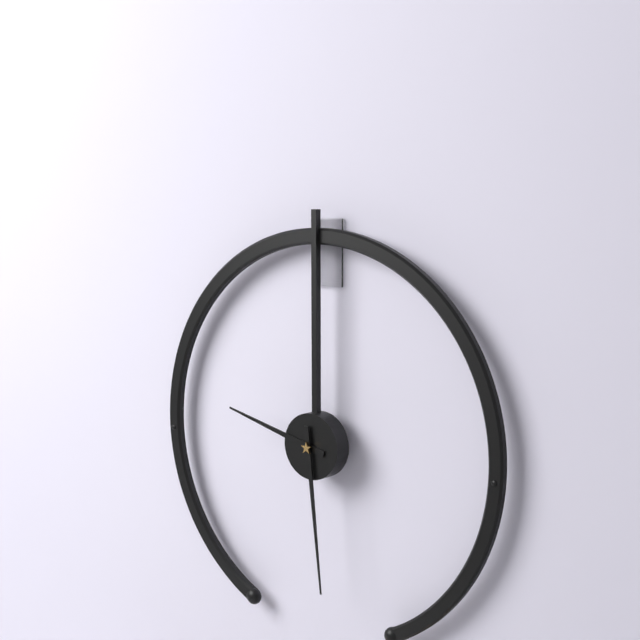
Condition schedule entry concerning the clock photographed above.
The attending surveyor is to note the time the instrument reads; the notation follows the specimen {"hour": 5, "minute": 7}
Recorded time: {"hour": 9, "minute": 29}
